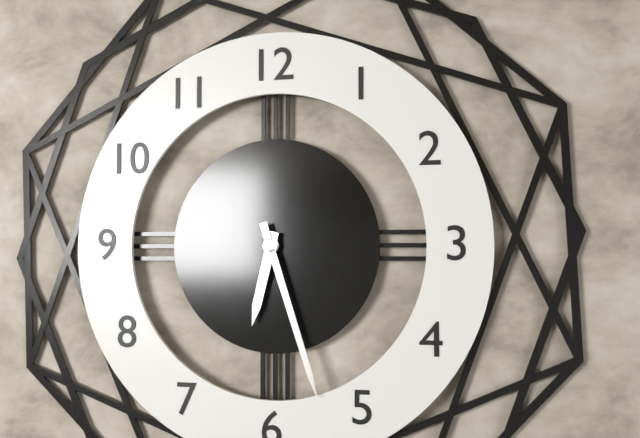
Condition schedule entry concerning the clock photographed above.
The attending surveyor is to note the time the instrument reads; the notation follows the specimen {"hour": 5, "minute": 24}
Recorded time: {"hour": 6, "minute": 27}
